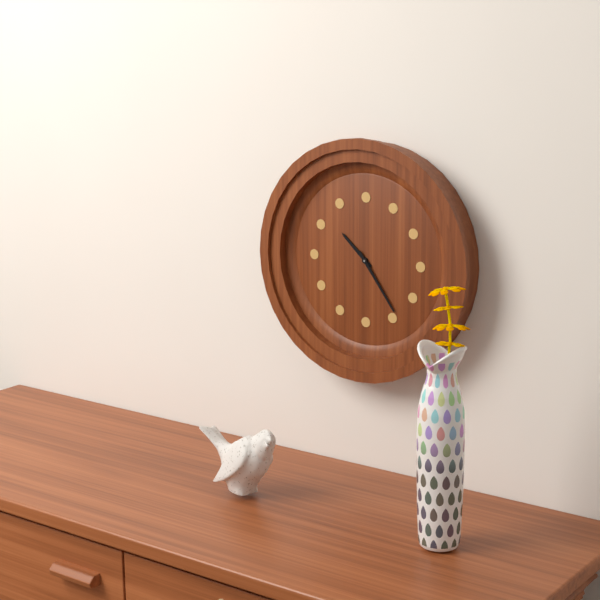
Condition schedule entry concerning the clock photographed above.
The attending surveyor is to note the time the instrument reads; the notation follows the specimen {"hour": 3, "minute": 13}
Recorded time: {"hour": 10, "minute": 24}
